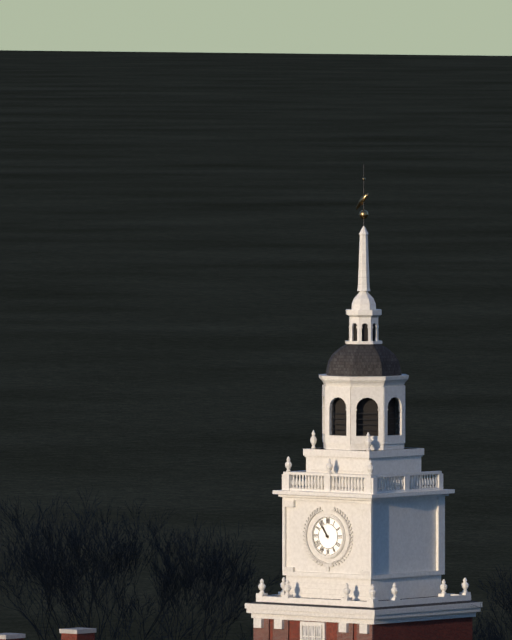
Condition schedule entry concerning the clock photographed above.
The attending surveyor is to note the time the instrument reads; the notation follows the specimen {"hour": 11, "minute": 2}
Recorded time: {"hour": 10, "minute": 54}
